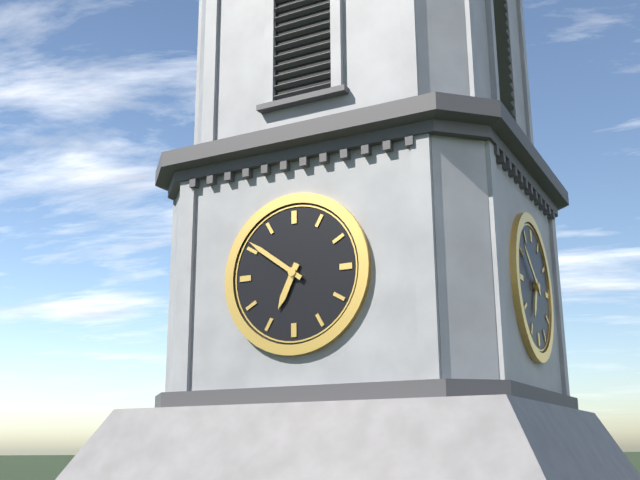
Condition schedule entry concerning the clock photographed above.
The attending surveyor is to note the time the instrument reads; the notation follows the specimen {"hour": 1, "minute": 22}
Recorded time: {"hour": 6, "minute": 51}
